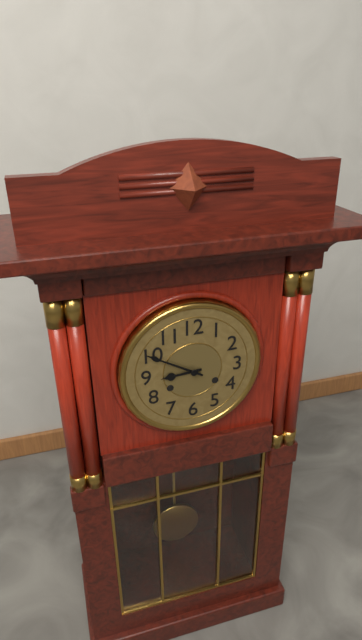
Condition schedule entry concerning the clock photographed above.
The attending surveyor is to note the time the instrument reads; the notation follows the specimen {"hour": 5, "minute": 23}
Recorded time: {"hour": 8, "minute": 50}
